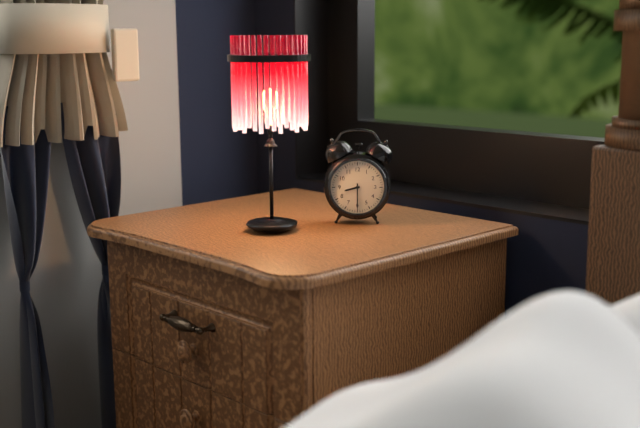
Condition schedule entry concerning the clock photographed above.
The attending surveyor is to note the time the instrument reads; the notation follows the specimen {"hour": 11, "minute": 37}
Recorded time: {"hour": 8, "minute": 30}
